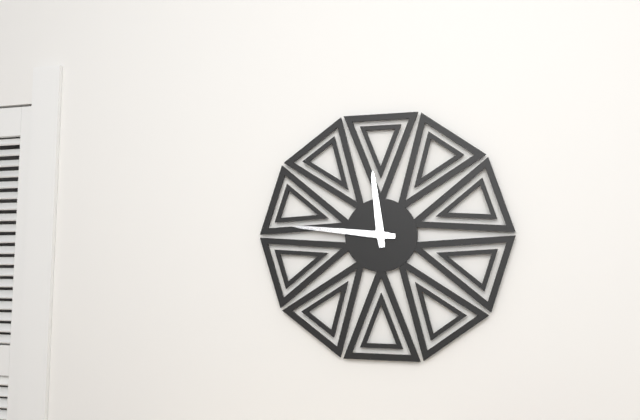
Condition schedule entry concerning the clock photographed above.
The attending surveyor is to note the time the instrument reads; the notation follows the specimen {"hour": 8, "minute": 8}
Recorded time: {"hour": 11, "minute": 46}
